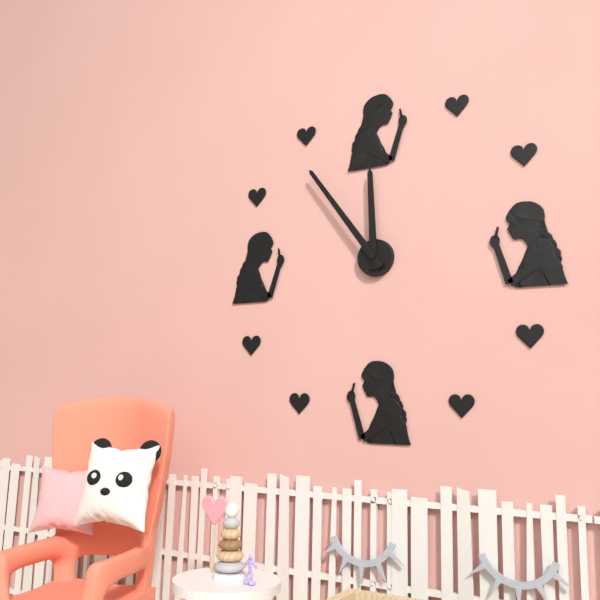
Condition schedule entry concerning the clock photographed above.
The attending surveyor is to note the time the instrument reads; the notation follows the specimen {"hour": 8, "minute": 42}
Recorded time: {"hour": 11, "minute": 54}
